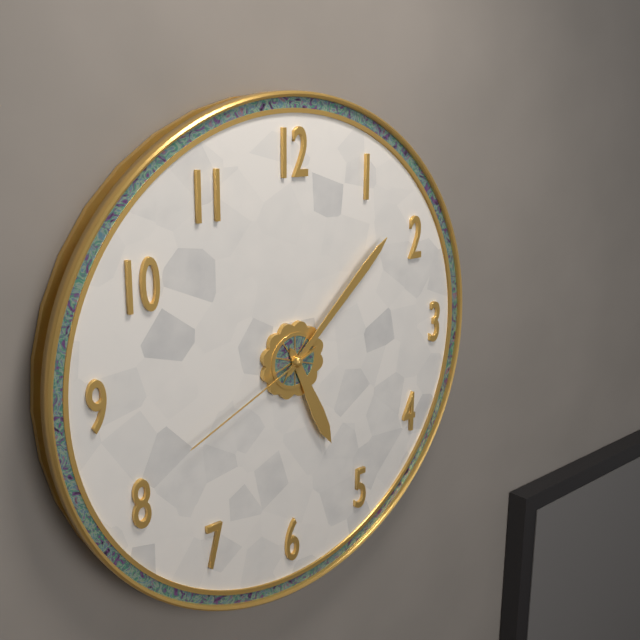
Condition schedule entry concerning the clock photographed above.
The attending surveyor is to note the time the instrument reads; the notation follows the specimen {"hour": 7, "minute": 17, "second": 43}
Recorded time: {"hour": 5, "minute": 8, "second": 41}
